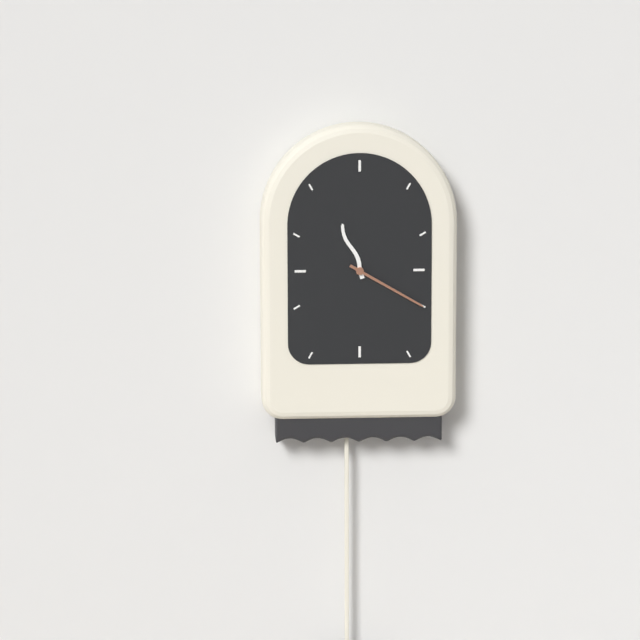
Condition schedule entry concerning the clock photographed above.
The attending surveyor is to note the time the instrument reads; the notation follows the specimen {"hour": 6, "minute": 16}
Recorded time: {"hour": 11, "minute": 20}
